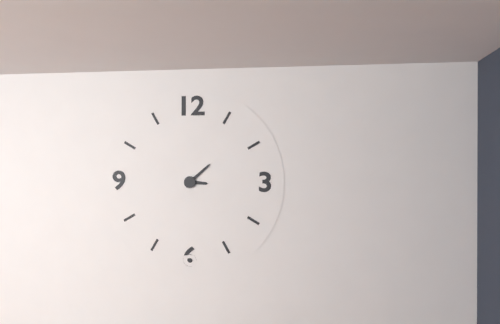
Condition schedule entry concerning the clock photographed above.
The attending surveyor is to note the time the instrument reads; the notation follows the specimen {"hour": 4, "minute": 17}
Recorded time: {"hour": 3, "minute": 8}
